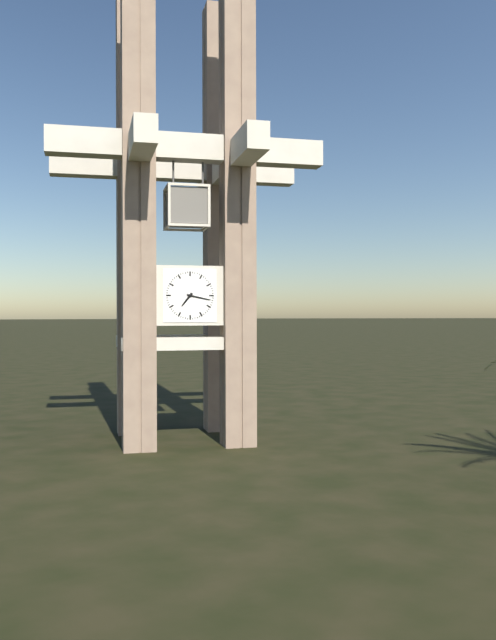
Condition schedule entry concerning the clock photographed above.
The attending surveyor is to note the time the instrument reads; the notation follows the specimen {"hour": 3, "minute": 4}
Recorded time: {"hour": 7, "minute": 17}
